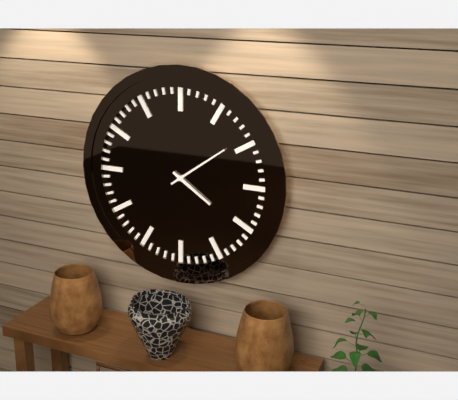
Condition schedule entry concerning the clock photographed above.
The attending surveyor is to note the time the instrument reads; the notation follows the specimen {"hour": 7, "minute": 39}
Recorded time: {"hour": 4, "minute": 9}
